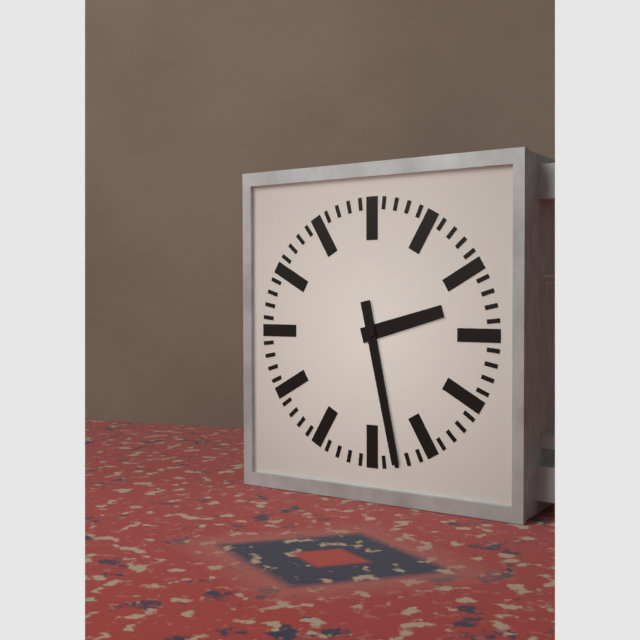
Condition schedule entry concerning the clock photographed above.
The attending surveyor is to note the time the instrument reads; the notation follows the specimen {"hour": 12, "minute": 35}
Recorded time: {"hour": 2, "minute": 28}
